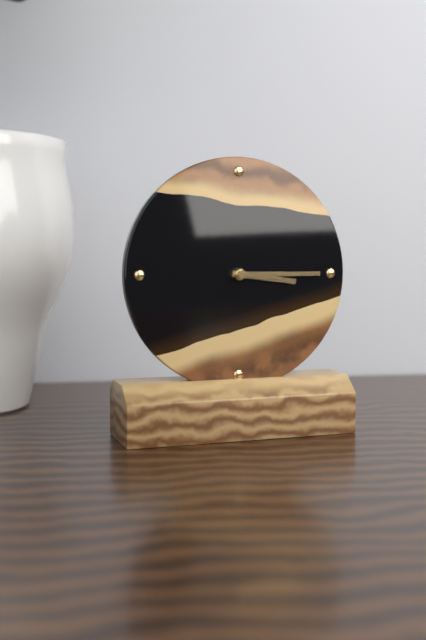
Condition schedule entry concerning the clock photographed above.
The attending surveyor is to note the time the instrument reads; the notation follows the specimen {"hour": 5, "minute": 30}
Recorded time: {"hour": 3, "minute": 15}
